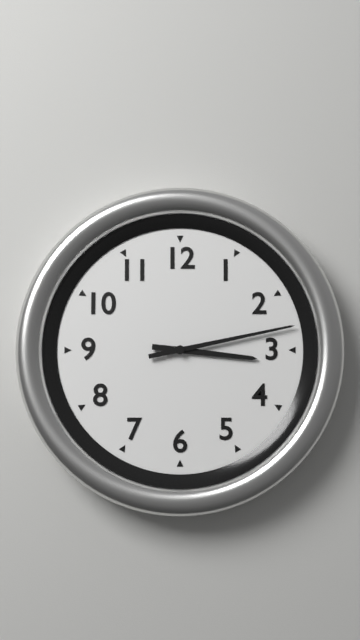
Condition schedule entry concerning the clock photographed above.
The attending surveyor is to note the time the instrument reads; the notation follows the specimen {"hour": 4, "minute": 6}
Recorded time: {"hour": 3, "minute": 13}
